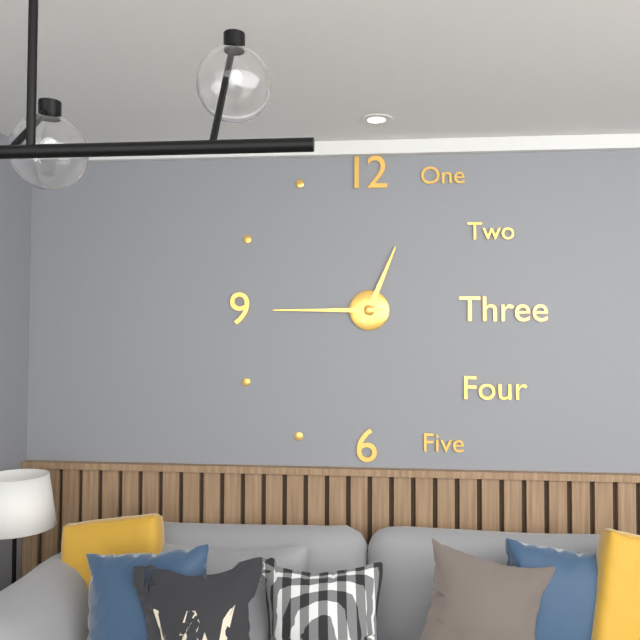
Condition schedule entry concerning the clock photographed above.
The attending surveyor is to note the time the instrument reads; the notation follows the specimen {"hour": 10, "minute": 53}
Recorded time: {"hour": 12, "minute": 45}
